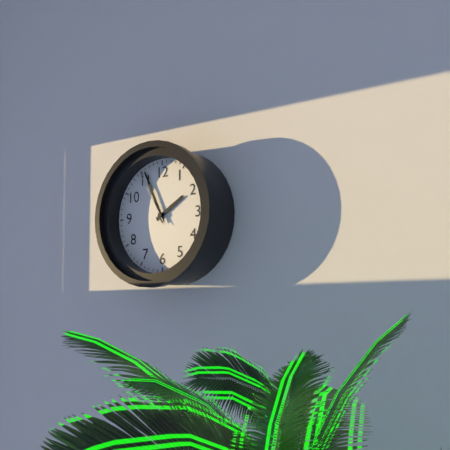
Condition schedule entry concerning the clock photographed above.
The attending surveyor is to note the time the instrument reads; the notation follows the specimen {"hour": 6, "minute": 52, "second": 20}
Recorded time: {"hour": 1, "minute": 56, "second": 55}
